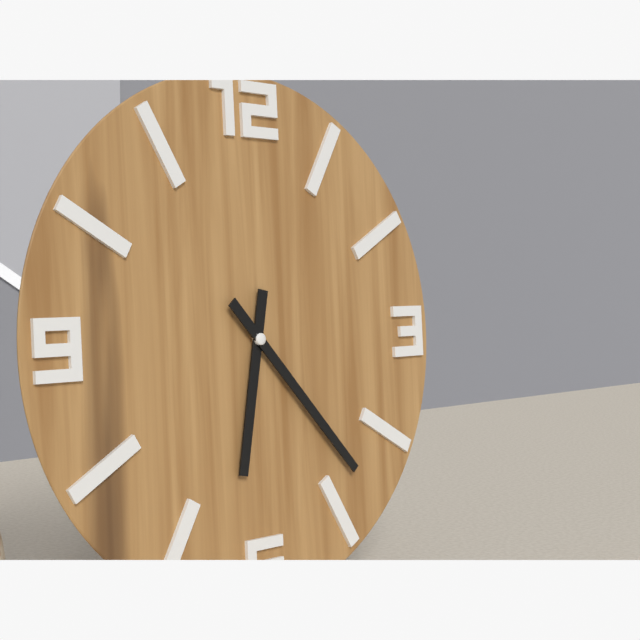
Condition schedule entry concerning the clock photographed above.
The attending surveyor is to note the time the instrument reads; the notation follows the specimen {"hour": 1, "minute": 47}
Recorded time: {"hour": 6, "minute": 23}
